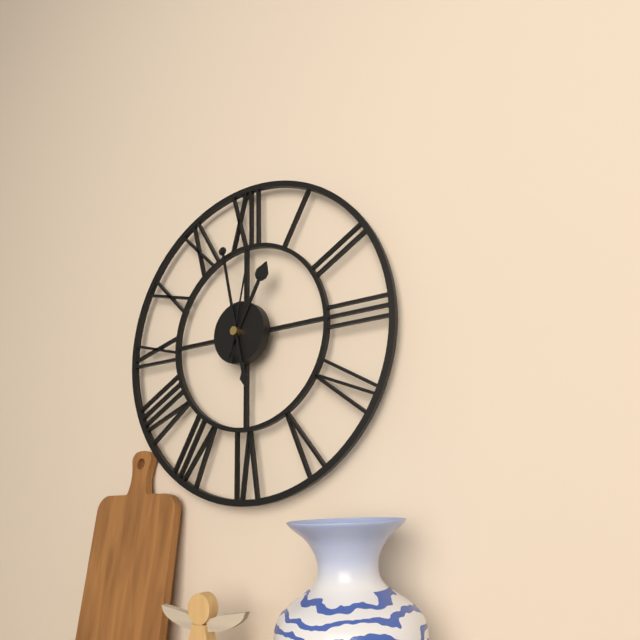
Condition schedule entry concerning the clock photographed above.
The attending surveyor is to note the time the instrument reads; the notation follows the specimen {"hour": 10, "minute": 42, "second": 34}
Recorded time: {"hour": 12, "minute": 58, "second": 2}
